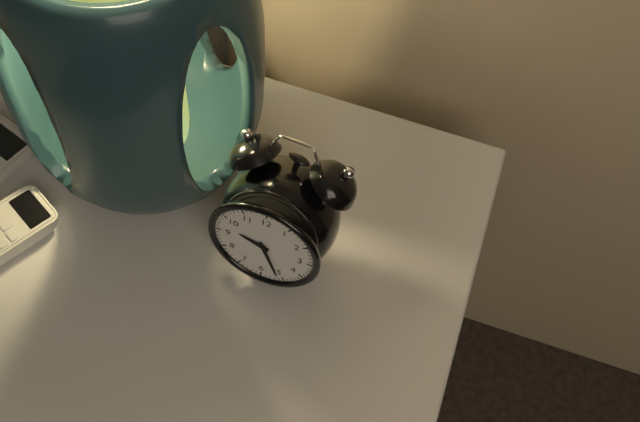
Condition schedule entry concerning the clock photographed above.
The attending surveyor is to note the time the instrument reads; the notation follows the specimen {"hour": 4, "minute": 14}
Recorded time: {"hour": 9, "minute": 26}
